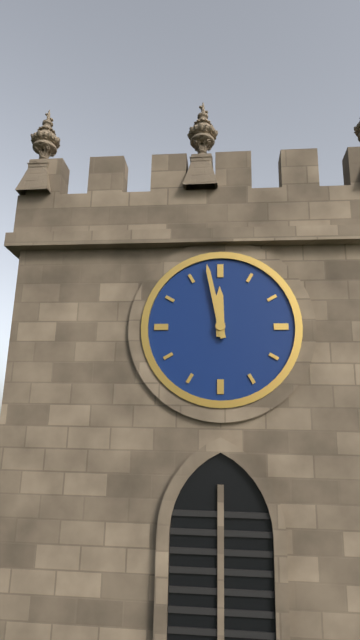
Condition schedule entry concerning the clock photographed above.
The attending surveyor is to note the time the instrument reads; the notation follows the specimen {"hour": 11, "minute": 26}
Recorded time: {"hour": 11, "minute": 58}
